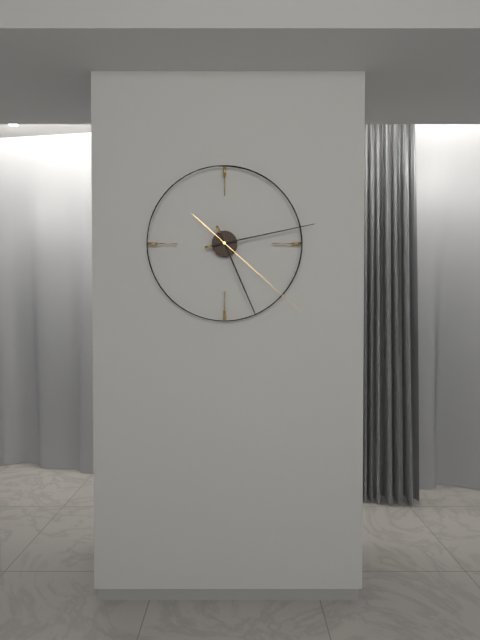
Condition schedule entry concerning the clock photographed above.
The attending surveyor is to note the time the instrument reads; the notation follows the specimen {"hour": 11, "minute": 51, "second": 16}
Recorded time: {"hour": 5, "minute": 13, "second": 22}
